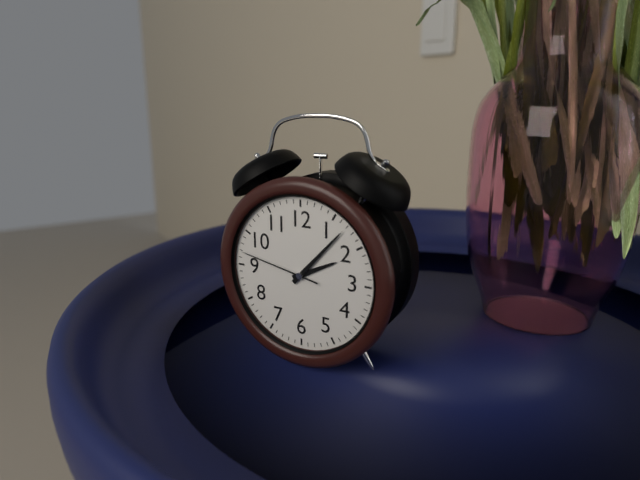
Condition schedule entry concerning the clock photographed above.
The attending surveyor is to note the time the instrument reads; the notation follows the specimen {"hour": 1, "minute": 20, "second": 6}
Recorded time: {"hour": 2, "minute": 7, "second": 47}
